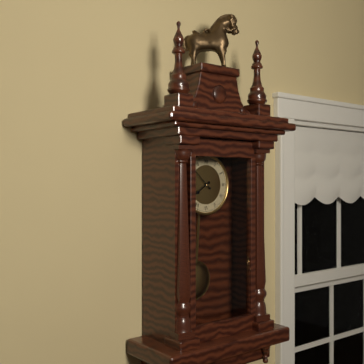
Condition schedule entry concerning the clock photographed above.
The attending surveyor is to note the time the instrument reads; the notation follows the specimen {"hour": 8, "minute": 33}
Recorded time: {"hour": 7, "minute": 52}
